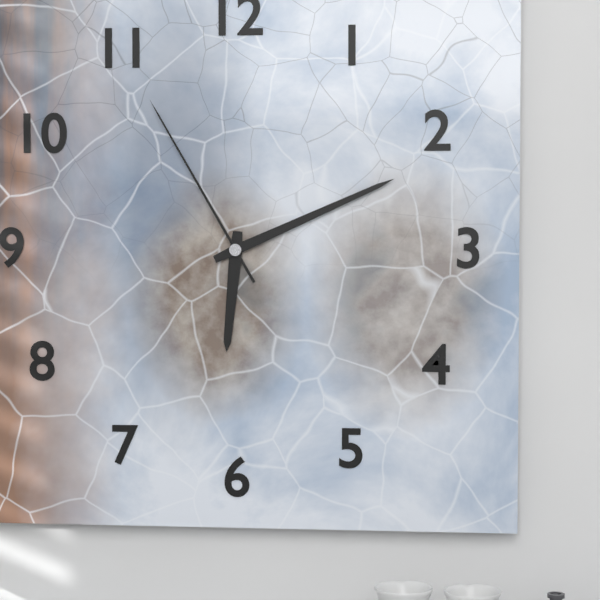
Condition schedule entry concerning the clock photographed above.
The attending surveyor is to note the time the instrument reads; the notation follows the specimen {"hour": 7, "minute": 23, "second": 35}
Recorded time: {"hour": 6, "minute": 11, "second": 55}
